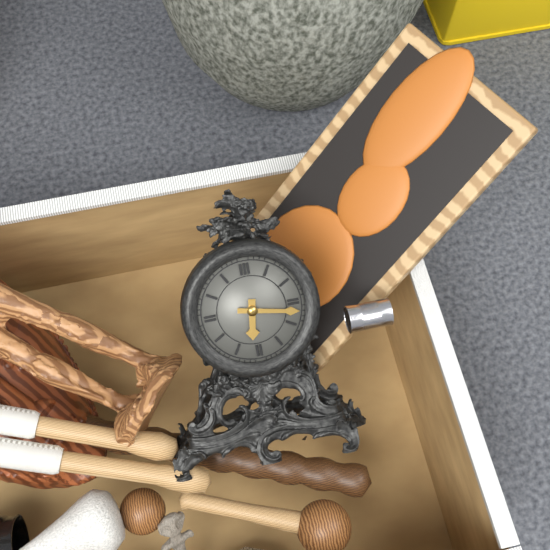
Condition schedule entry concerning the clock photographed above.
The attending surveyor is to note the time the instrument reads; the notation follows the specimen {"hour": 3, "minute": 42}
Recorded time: {"hour": 6, "minute": 17}
